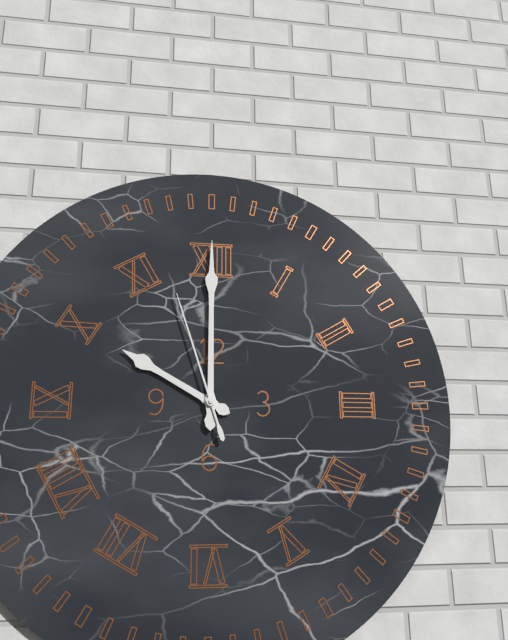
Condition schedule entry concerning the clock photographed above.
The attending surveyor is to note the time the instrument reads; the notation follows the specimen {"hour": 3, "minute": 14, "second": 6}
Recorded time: {"hour": 10, "minute": 0, "second": 57}
